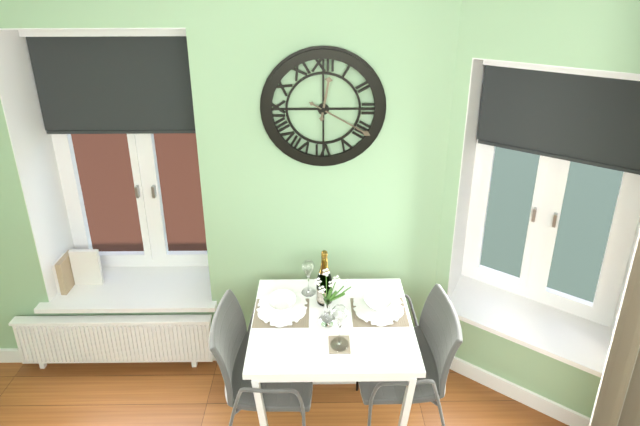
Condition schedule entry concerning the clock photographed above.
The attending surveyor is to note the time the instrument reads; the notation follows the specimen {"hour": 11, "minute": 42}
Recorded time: {"hour": 12, "minute": 20}
